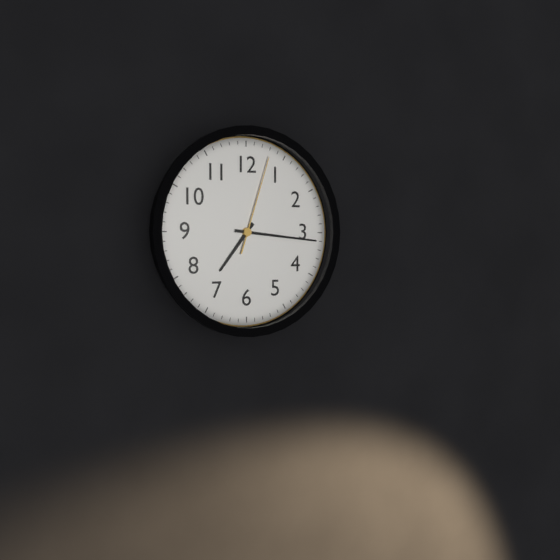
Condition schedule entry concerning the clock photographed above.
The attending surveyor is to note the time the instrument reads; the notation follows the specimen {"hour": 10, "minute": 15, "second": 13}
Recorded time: {"hour": 7, "minute": 16, "second": 3}
